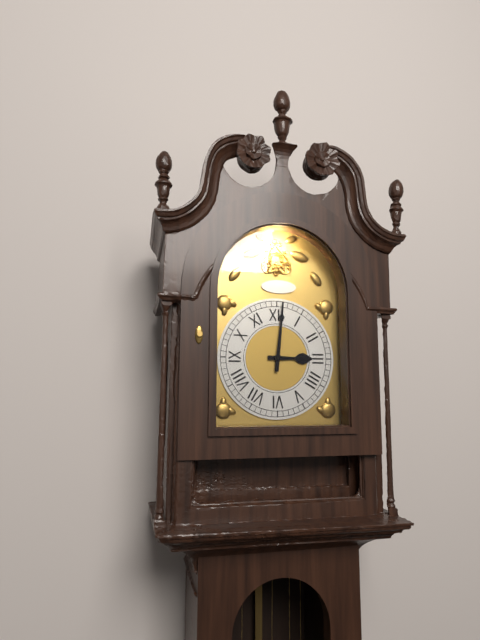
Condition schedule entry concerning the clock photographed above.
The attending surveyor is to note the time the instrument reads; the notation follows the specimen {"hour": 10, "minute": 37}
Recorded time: {"hour": 3, "minute": 1}
